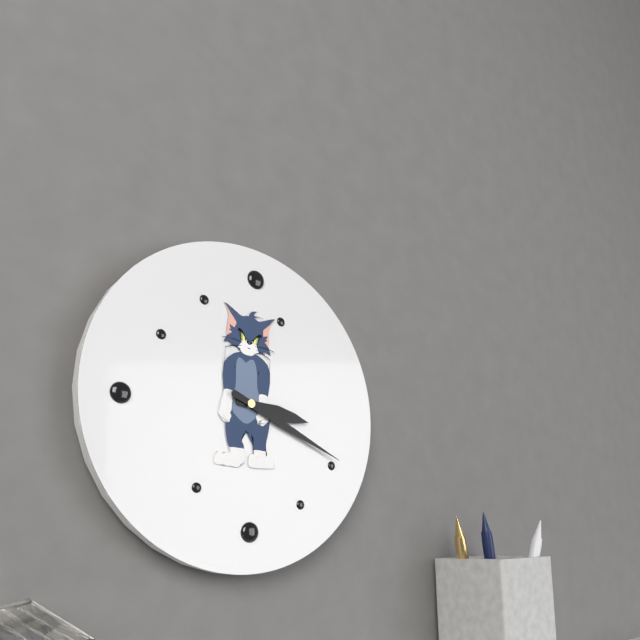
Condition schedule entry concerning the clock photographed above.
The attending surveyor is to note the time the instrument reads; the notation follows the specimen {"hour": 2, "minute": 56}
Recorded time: {"hour": 3, "minute": 19}
